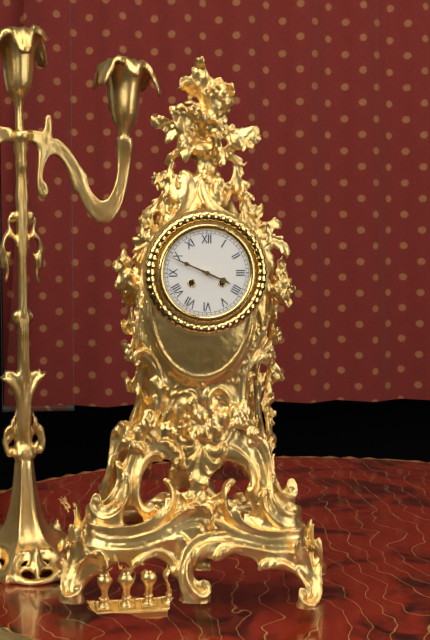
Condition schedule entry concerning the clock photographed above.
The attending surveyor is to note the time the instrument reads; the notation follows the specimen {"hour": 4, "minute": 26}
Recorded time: {"hour": 3, "minute": 49}
